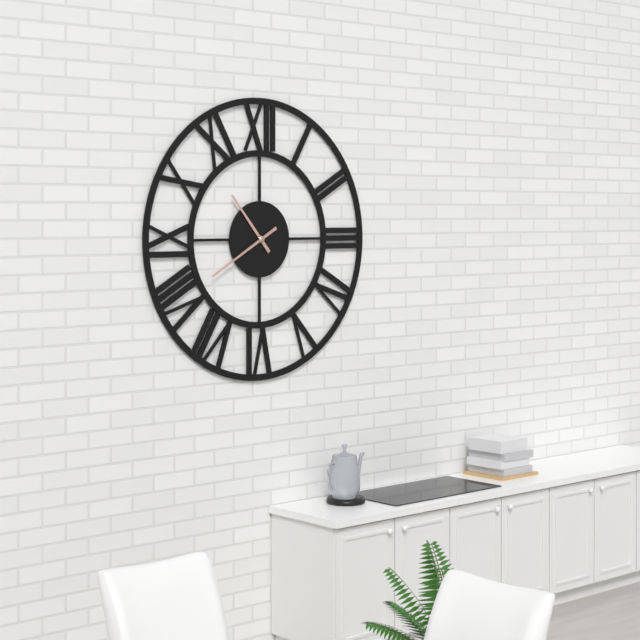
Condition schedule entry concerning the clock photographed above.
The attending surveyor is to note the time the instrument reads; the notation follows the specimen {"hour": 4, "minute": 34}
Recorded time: {"hour": 10, "minute": 40}
